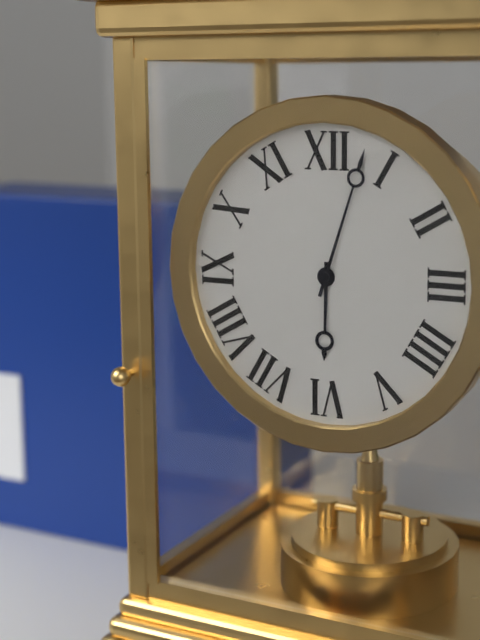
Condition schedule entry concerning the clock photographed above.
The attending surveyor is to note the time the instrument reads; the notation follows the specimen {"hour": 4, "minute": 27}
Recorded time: {"hour": 6, "minute": 3}
